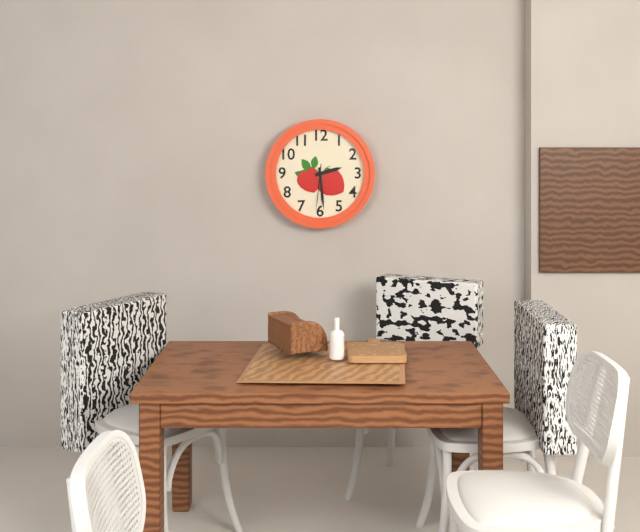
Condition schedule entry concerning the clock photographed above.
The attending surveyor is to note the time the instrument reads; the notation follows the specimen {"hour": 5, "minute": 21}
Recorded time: {"hour": 2, "minute": 29}
